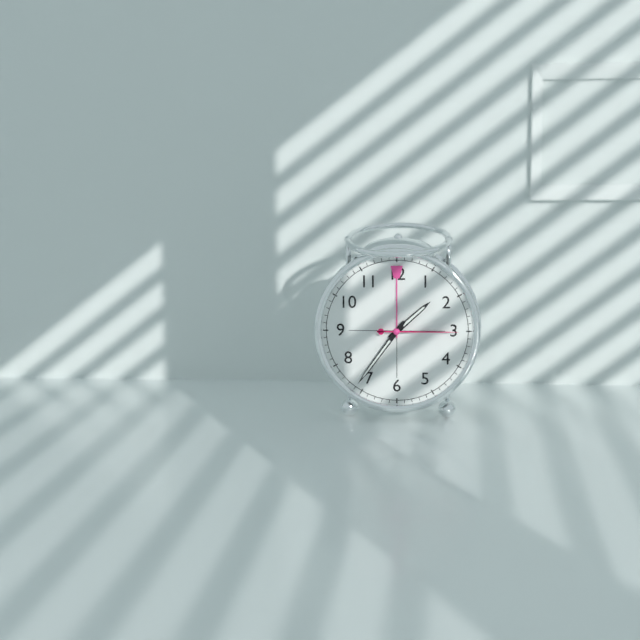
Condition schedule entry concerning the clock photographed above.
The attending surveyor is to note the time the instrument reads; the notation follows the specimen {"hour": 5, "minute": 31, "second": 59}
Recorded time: {"hour": 1, "minute": 36, "second": 15}
